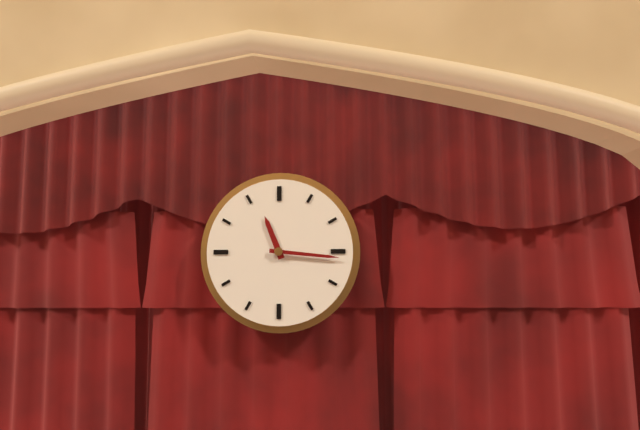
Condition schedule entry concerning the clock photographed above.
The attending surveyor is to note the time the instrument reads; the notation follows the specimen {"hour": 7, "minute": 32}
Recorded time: {"hour": 11, "minute": 16}
